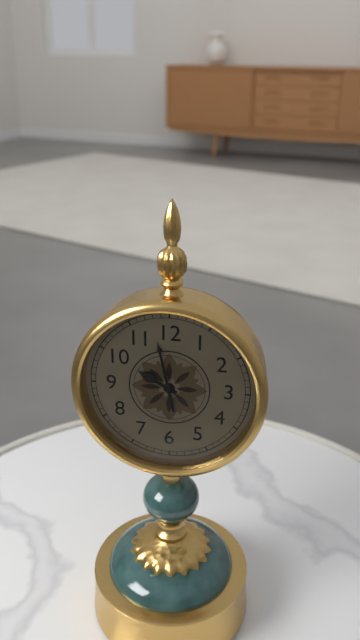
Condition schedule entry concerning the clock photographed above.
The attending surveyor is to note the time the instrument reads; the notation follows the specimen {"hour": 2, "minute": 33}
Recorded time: {"hour": 9, "minute": 58}
